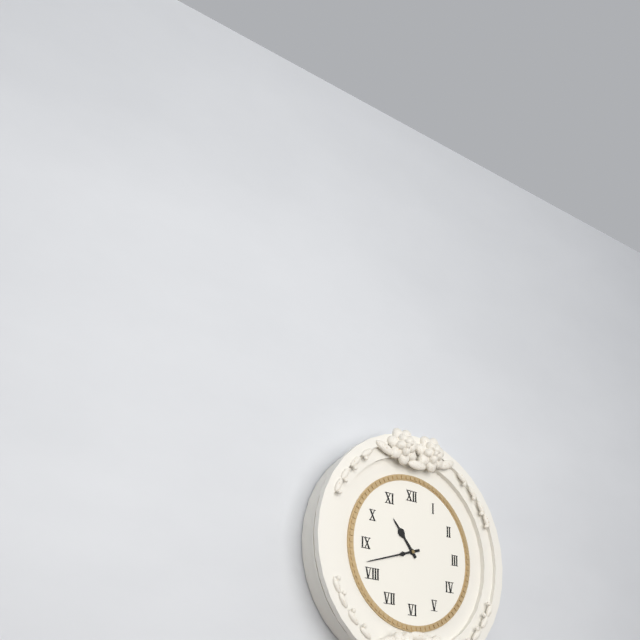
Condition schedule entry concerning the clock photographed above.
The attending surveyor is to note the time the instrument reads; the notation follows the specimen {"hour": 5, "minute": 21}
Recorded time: {"hour": 10, "minute": 42}
